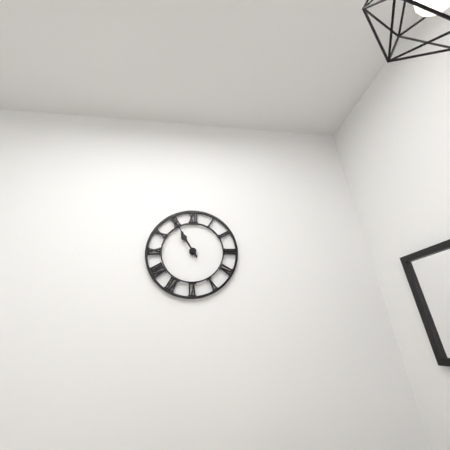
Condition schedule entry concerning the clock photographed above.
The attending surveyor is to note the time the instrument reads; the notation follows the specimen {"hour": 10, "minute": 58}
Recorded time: {"hour": 10, "minute": 55}
